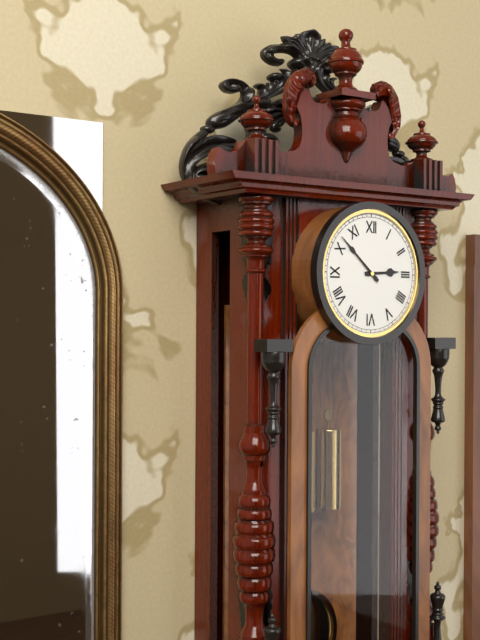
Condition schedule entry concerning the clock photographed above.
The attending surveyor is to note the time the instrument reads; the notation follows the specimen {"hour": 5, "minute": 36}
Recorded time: {"hour": 2, "minute": 52}
